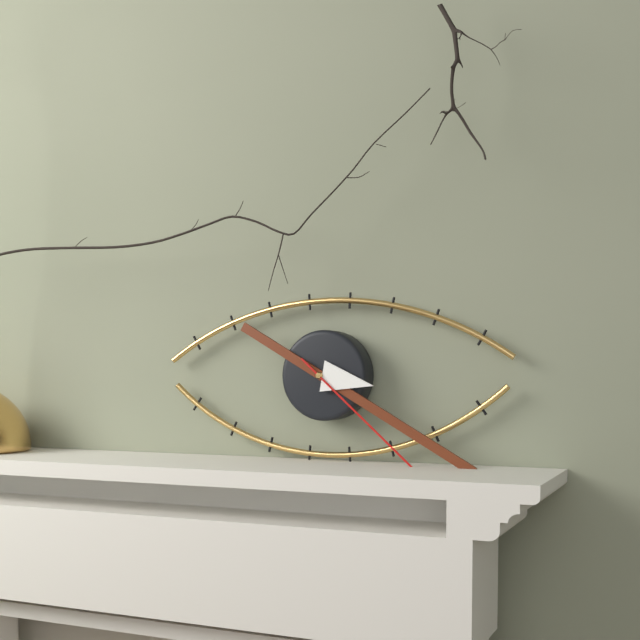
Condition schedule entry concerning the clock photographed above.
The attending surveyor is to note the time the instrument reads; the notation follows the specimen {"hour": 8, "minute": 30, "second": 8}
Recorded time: {"hour": 3, "minute": 20, "second": 22}
